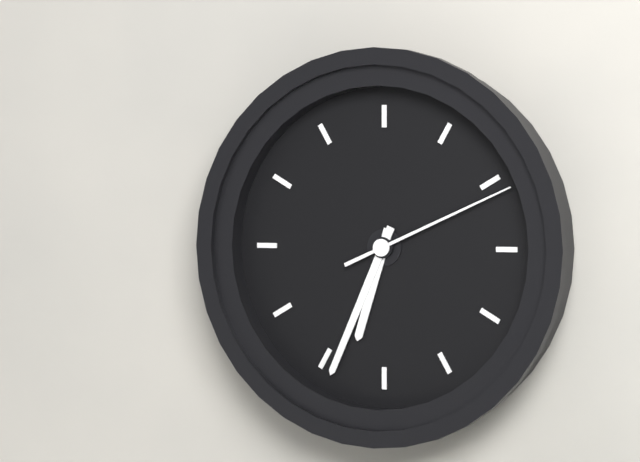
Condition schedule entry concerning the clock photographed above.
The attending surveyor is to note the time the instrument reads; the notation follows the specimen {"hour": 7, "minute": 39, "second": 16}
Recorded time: {"hour": 6, "minute": 34, "second": 11}
